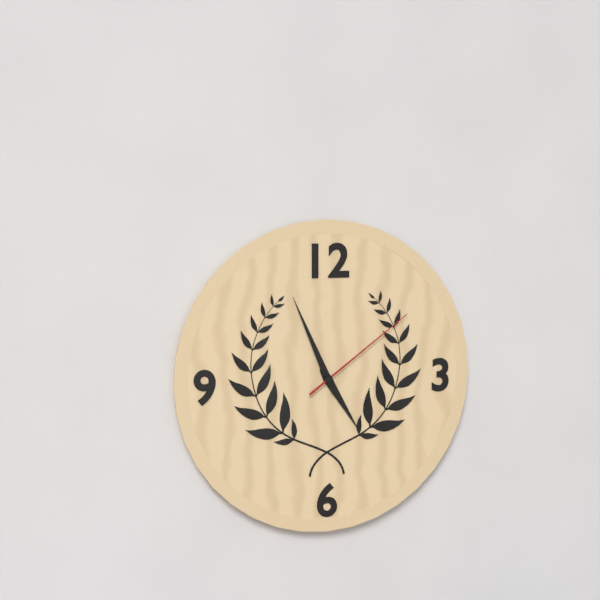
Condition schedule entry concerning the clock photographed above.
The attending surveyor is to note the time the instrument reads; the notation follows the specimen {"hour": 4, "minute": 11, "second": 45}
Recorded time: {"hour": 4, "minute": 56, "second": 9}
